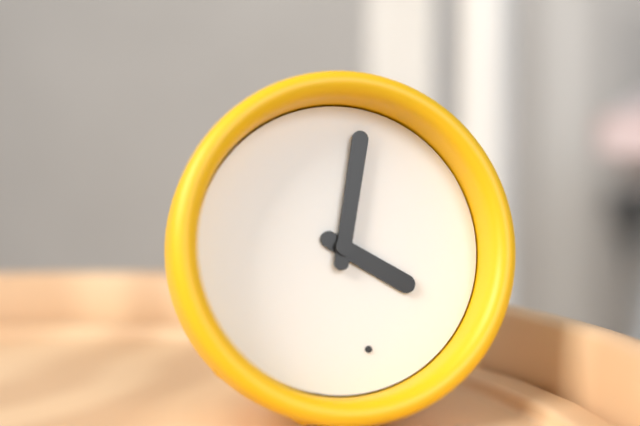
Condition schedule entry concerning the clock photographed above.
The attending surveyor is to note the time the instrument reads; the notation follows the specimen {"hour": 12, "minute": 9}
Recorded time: {"hour": 4, "minute": 2}
